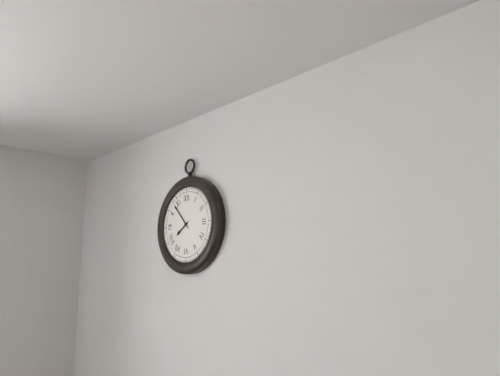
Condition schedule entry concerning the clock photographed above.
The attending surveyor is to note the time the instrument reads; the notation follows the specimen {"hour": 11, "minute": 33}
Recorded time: {"hour": 7, "minute": 53}
